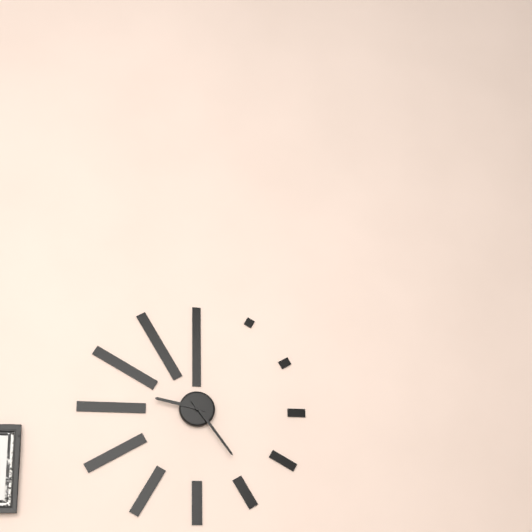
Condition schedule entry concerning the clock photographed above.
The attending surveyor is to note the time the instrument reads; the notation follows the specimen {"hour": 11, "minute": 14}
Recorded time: {"hour": 9, "minute": 24}
